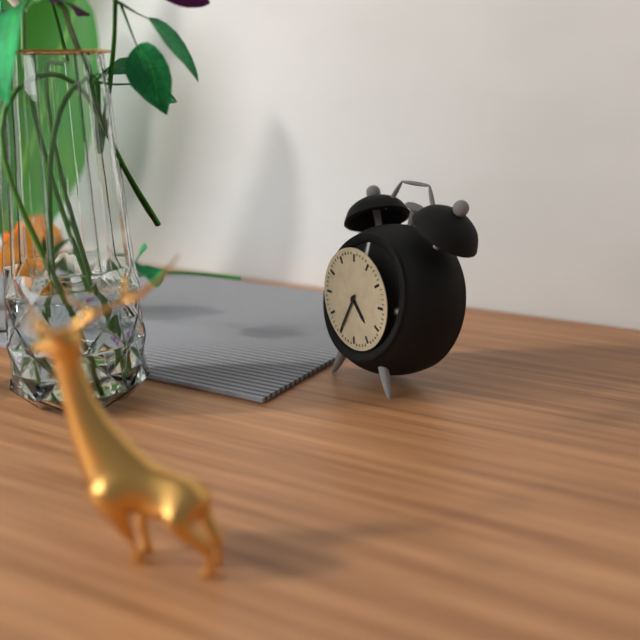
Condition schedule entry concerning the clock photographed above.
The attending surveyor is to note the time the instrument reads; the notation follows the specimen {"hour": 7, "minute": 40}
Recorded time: {"hour": 4, "minute": 35}
